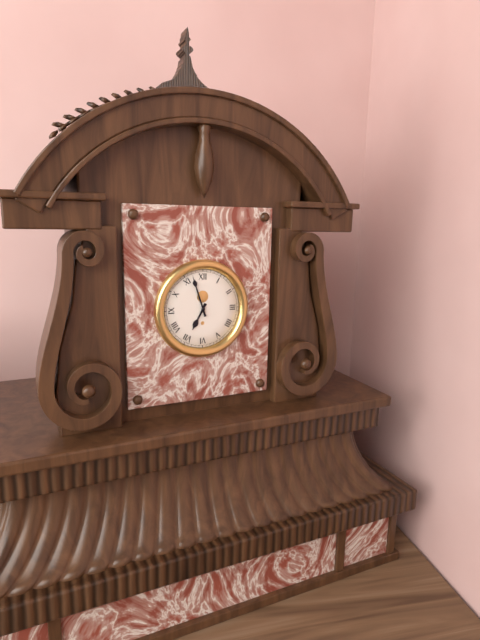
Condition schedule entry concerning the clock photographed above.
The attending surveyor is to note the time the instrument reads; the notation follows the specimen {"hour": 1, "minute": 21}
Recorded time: {"hour": 6, "minute": 57}
